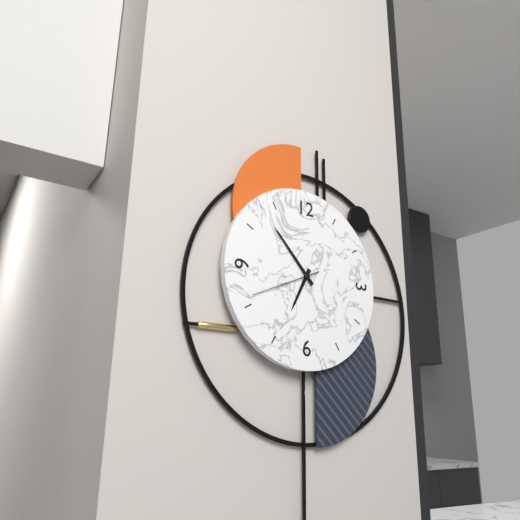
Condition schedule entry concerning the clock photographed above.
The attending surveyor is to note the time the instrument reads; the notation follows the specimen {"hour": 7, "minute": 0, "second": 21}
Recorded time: {"hour": 6, "minute": 53, "second": 41}
